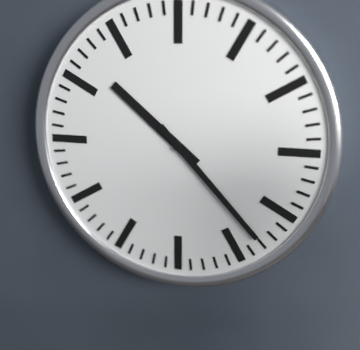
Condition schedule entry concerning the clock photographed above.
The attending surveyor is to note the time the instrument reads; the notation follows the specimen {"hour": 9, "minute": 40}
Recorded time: {"hour": 10, "minute": 23}
